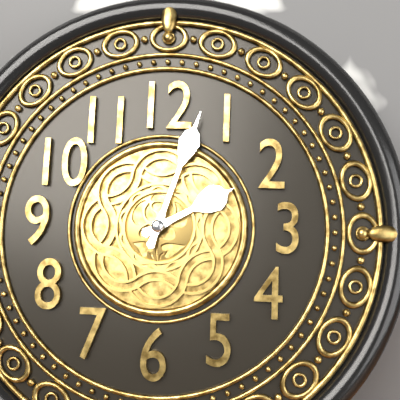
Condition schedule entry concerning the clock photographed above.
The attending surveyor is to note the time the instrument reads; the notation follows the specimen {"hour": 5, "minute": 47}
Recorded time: {"hour": 2, "minute": 3}
